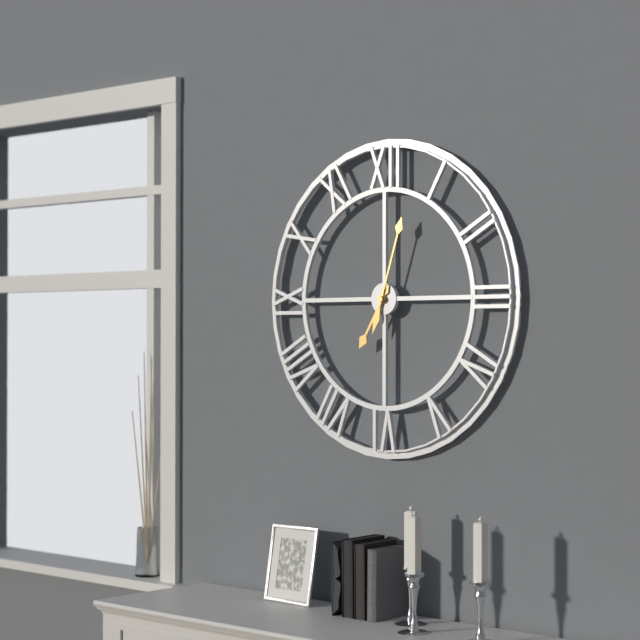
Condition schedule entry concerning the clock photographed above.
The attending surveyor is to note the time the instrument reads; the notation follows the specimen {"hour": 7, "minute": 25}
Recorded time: {"hour": 7, "minute": 3}
